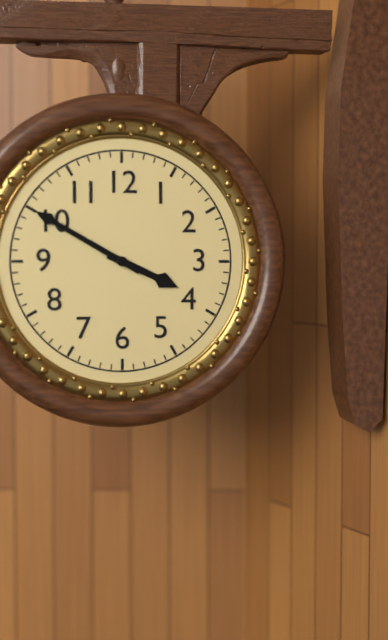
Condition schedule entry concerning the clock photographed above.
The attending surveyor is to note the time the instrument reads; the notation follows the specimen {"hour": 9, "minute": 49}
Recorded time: {"hour": 3, "minute": 50}
